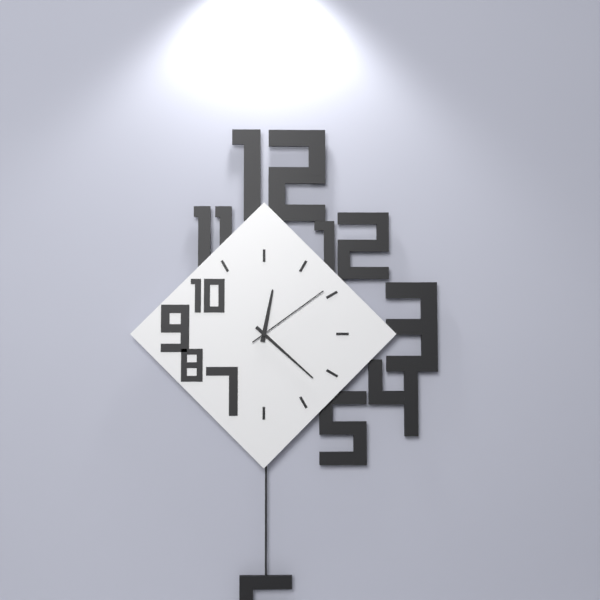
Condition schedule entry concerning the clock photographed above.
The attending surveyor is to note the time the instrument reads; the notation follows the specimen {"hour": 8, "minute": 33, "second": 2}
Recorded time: {"hour": 12, "minute": 22, "second": 9}
